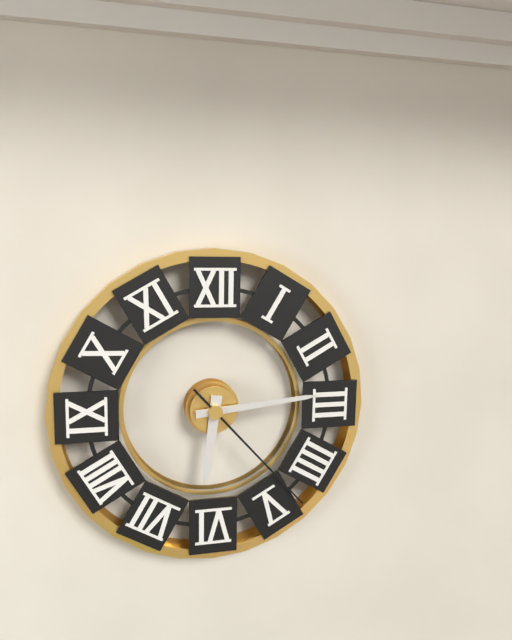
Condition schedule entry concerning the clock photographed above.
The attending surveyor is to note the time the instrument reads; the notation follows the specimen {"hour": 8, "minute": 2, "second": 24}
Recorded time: {"hour": 6, "minute": 14, "second": 23}
